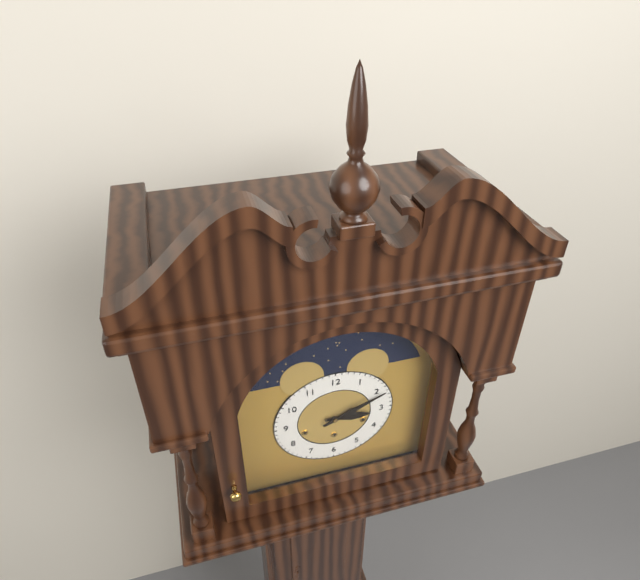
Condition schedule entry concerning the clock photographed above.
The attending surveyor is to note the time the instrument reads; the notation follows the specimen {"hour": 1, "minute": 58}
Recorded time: {"hour": 3, "minute": 11}
